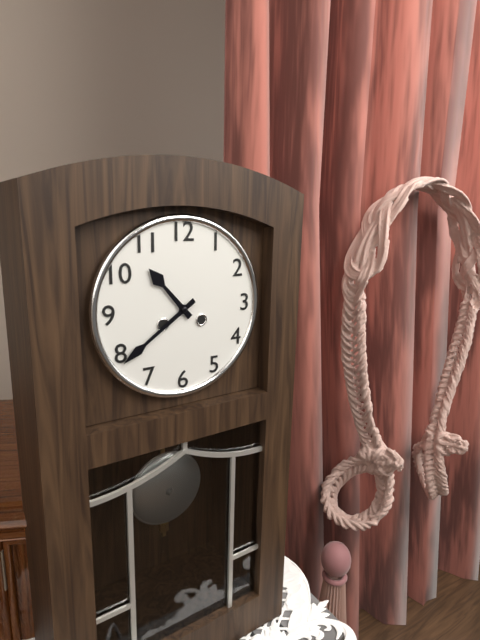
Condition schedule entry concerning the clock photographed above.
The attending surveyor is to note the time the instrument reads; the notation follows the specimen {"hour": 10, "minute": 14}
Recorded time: {"hour": 10, "minute": 39}
